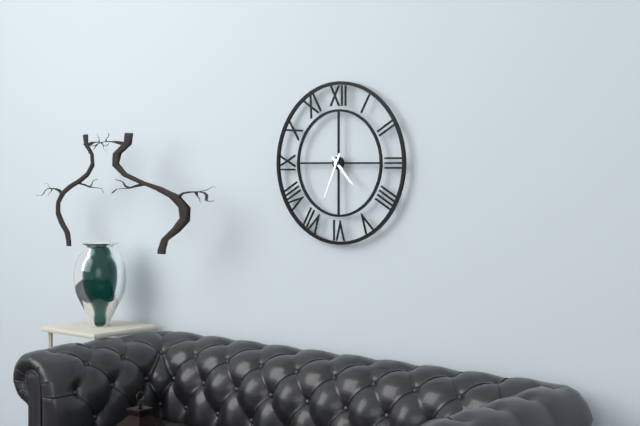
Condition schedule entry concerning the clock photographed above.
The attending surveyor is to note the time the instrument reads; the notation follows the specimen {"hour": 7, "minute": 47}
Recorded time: {"hour": 4, "minute": 34}
